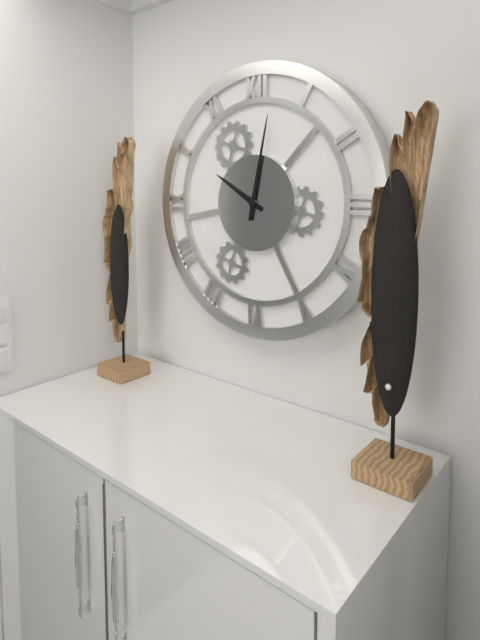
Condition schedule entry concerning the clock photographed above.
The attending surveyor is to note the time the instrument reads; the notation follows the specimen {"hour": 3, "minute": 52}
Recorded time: {"hour": 10, "minute": 2}
